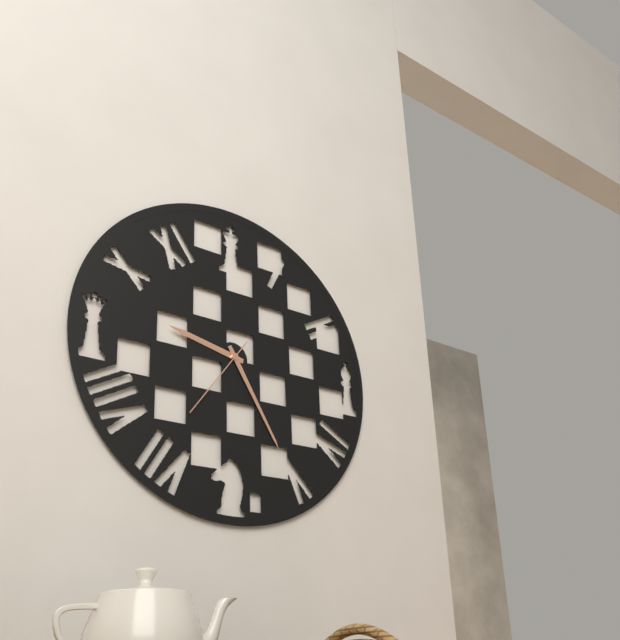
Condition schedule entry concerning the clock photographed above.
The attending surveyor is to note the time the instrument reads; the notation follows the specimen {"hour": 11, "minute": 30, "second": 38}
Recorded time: {"hour": 9, "minute": 25, "second": 36}
